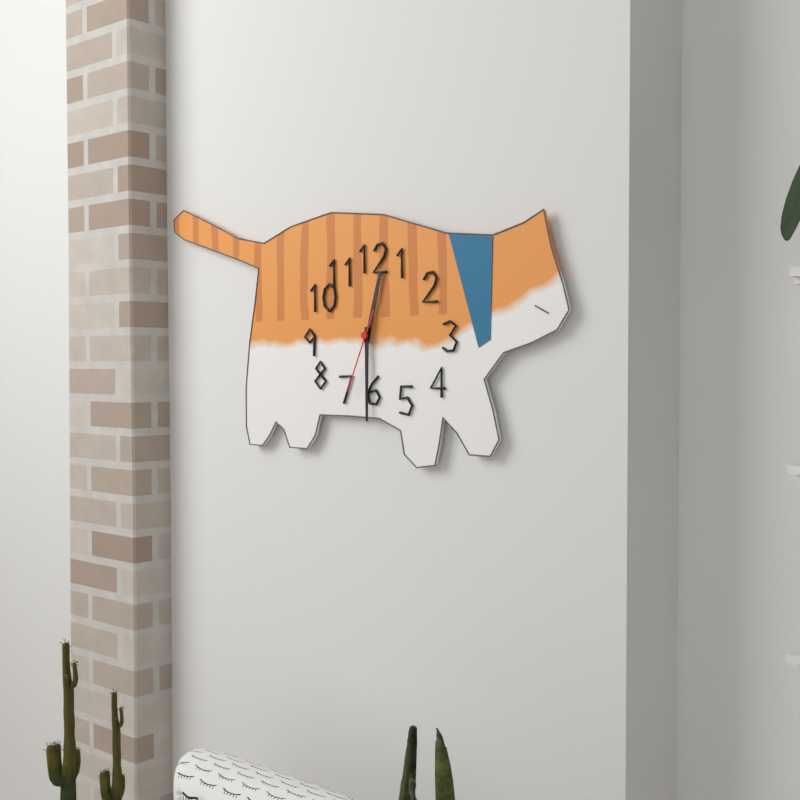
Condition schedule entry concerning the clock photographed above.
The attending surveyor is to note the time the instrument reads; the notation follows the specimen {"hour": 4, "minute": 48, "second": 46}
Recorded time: {"hour": 12, "minute": 30, "second": 34}
